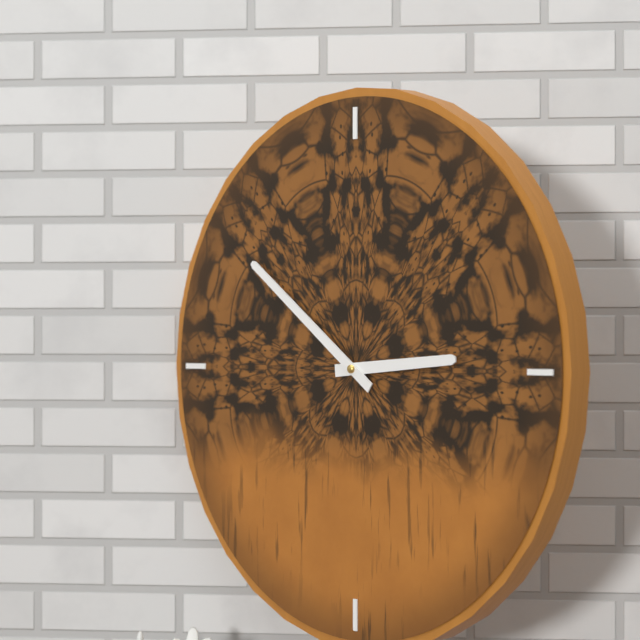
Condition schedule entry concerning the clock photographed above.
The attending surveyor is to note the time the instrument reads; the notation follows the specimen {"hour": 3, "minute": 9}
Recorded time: {"hour": 2, "minute": 51}
